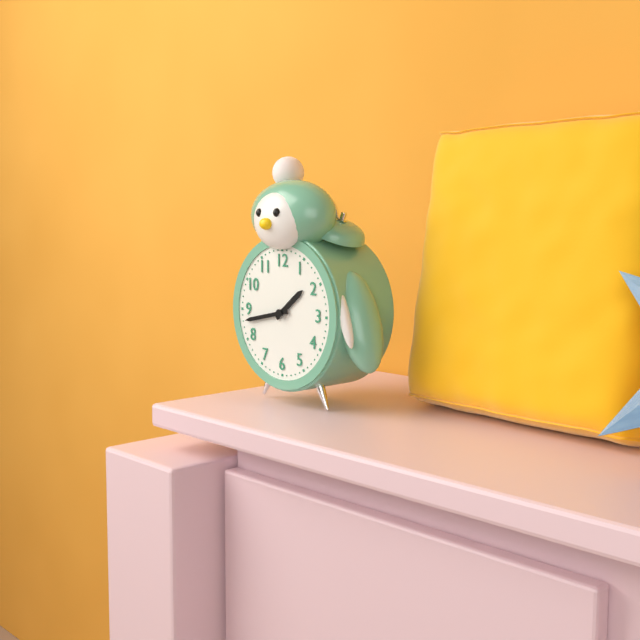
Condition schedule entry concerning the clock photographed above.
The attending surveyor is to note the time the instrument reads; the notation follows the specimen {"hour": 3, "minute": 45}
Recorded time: {"hour": 1, "minute": 43}
